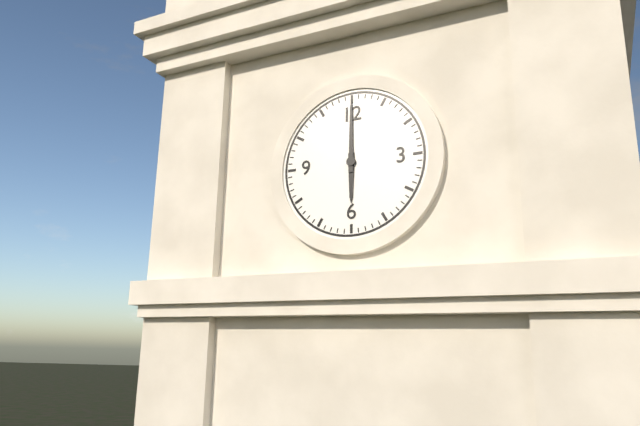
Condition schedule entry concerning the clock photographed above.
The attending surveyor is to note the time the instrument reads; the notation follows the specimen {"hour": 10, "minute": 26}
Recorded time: {"hour": 6, "minute": 0}
